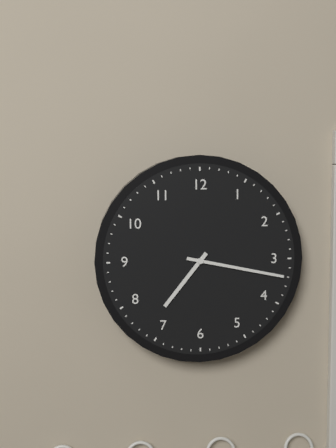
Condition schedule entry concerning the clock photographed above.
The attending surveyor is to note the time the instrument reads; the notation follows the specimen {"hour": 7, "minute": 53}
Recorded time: {"hour": 7, "minute": 17}
